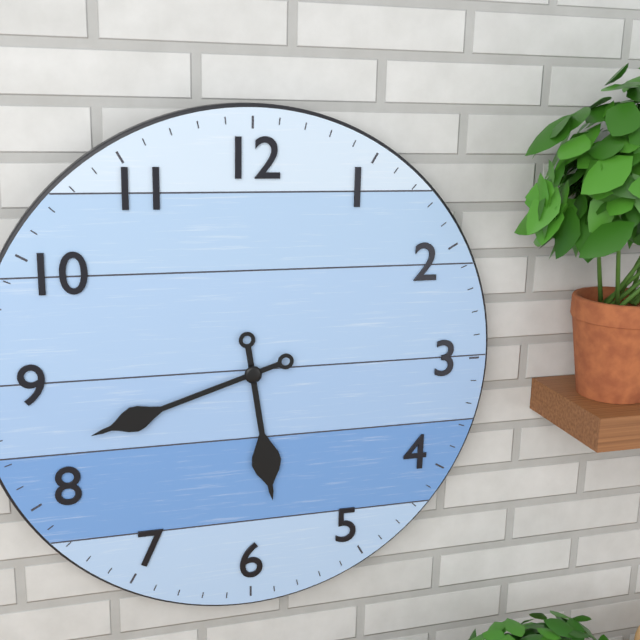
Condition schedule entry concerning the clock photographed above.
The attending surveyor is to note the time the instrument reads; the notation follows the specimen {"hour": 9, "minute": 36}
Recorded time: {"hour": 5, "minute": 42}
